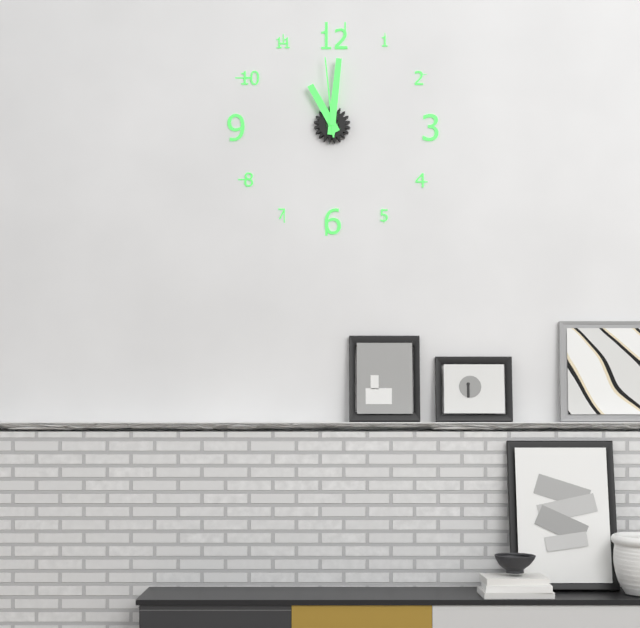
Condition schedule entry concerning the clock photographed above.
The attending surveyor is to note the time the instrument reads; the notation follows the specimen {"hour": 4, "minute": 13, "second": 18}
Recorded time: {"hour": 11, "minute": 1, "second": 59}
